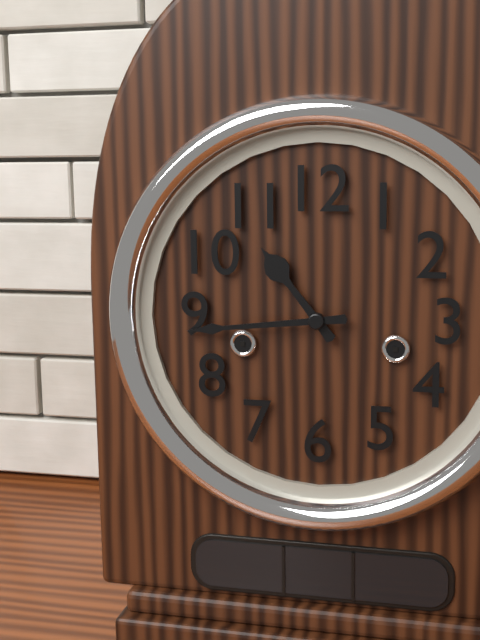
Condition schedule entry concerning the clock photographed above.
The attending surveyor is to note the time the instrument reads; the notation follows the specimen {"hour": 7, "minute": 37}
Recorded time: {"hour": 10, "minute": 44}
